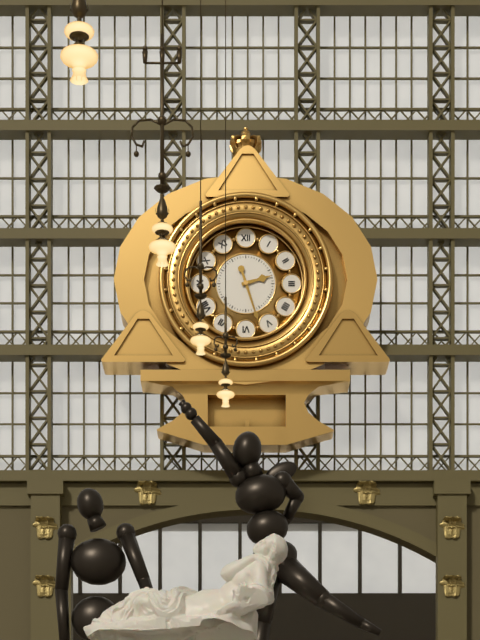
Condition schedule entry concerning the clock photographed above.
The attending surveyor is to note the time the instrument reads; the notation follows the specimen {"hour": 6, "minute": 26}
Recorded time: {"hour": 2, "minute": 27}
